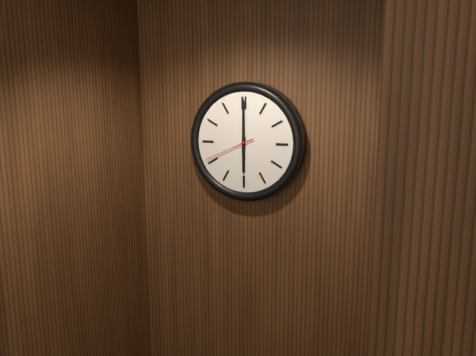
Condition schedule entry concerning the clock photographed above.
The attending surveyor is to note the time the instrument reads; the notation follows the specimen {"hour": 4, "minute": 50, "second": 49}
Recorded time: {"hour": 6, "minute": 0, "second": 41}
